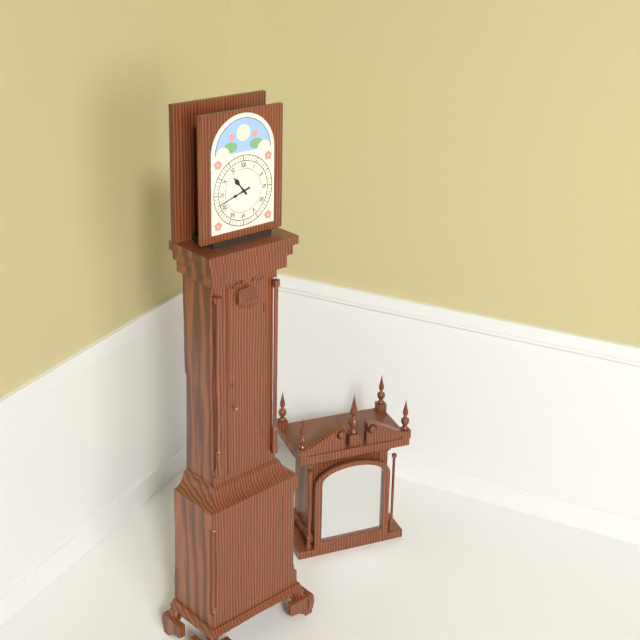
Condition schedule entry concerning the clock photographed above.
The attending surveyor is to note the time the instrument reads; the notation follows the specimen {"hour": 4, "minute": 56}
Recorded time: {"hour": 10, "minute": 42}
